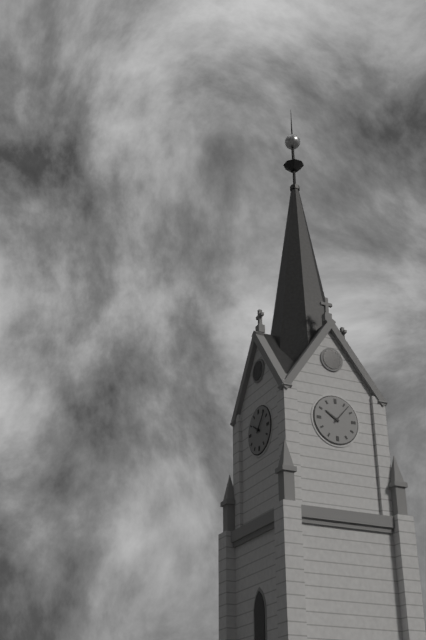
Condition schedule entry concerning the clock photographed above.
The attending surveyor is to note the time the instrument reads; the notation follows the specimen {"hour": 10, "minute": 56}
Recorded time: {"hour": 10, "minute": 7}
